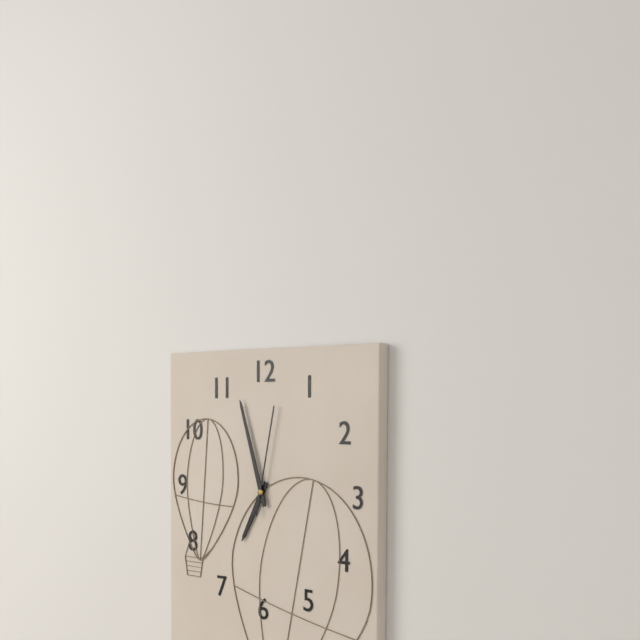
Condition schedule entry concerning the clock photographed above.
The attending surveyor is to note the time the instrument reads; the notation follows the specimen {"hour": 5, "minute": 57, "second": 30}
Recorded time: {"hour": 6, "minute": 57, "second": 2}
